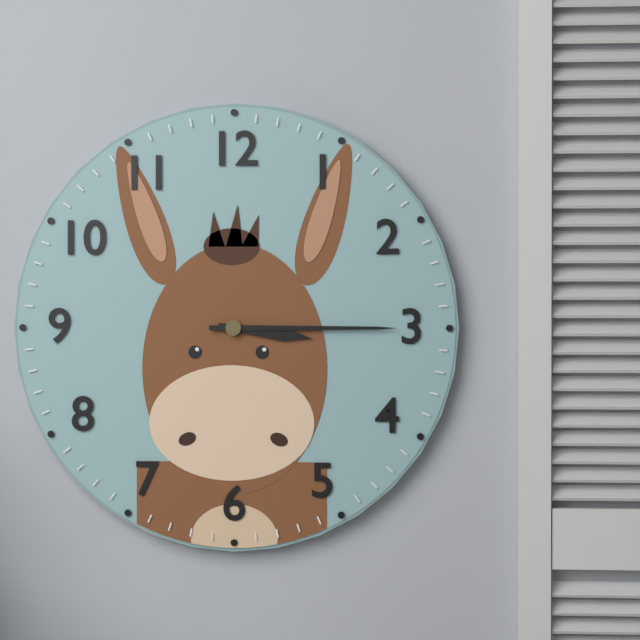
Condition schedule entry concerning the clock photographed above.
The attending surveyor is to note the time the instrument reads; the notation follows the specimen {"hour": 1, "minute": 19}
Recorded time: {"hour": 3, "minute": 15}
